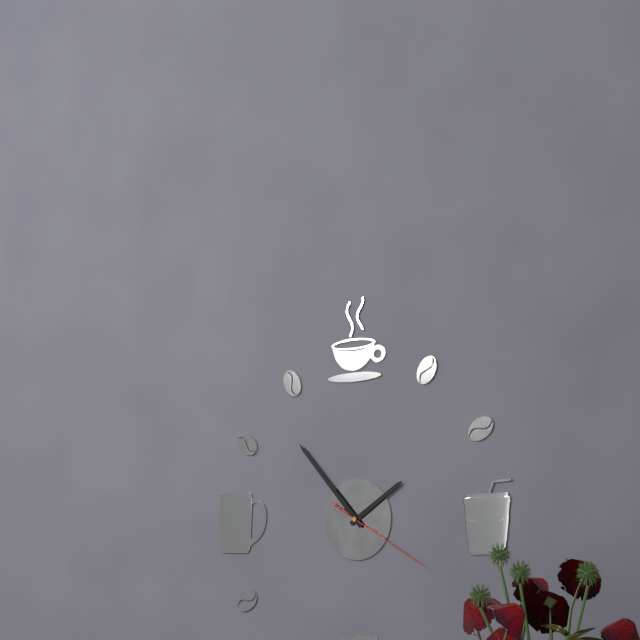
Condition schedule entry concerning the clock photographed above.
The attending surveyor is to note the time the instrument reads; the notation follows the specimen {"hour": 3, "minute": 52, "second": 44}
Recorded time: {"hour": 1, "minute": 53, "second": 20}
